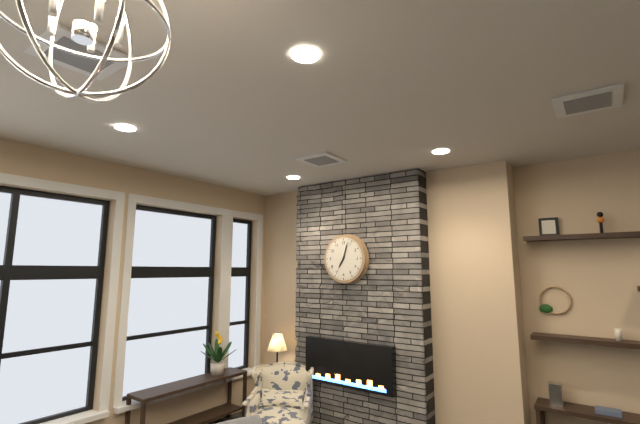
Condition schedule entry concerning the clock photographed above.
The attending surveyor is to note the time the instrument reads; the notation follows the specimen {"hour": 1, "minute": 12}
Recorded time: {"hour": 7, "minute": 3}
